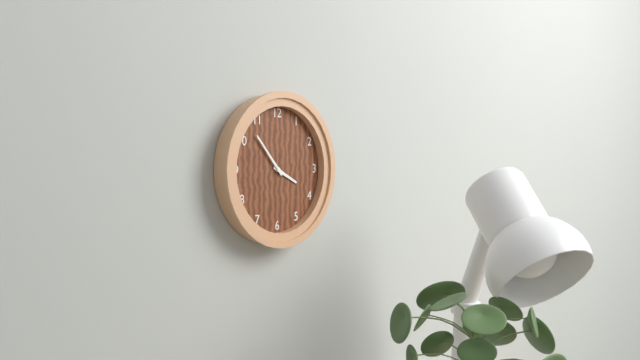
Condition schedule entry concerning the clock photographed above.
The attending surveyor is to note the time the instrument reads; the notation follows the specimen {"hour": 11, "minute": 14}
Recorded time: {"hour": 3, "minute": 53}
